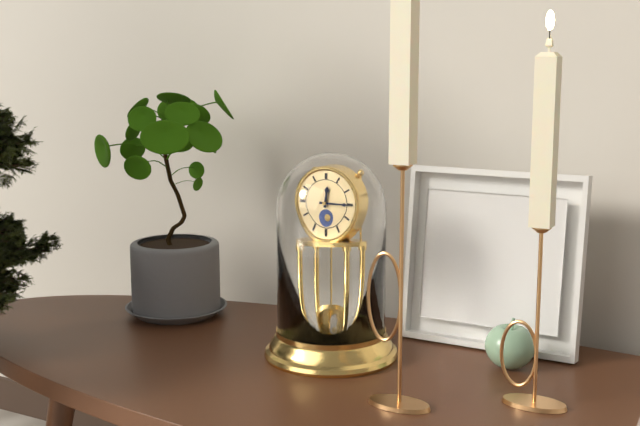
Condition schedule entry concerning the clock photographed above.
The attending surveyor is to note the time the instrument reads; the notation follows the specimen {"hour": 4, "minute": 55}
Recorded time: {"hour": 12, "minute": 15}
